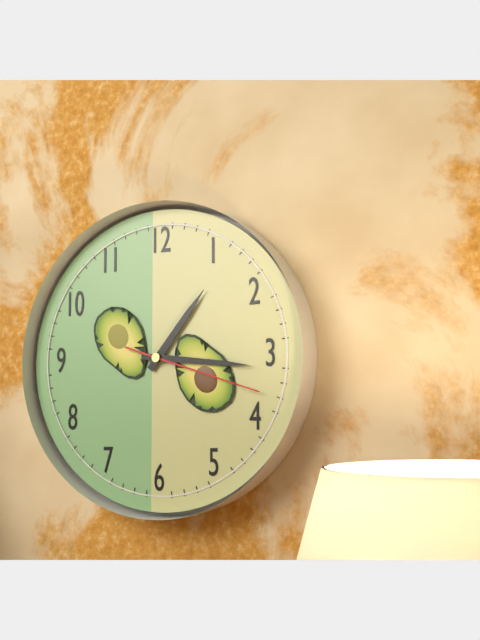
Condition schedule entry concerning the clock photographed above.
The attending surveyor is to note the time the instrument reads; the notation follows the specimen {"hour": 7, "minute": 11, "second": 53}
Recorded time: {"hour": 1, "minute": 16, "second": 18}
